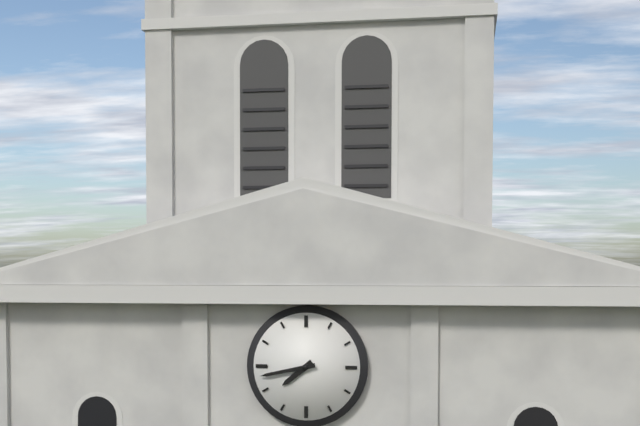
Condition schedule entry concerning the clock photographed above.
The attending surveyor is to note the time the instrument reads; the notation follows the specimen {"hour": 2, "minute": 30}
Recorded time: {"hour": 7, "minute": 43}
